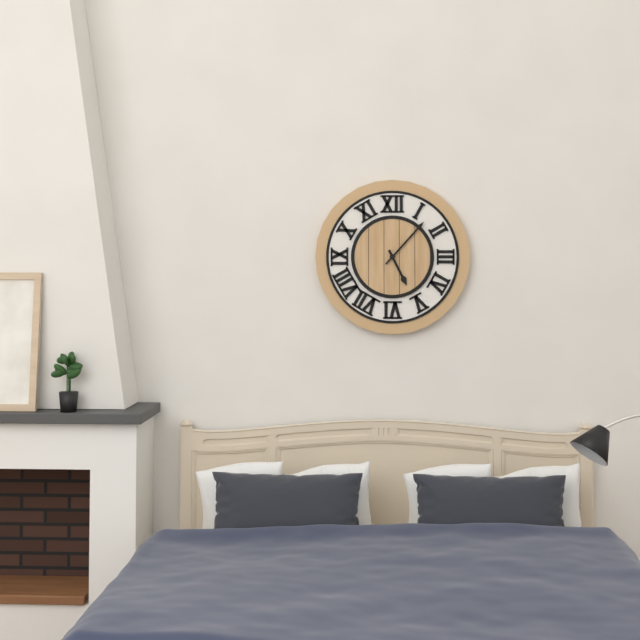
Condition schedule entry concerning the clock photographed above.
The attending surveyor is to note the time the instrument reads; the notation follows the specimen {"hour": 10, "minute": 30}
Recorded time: {"hour": 5, "minute": 7}
